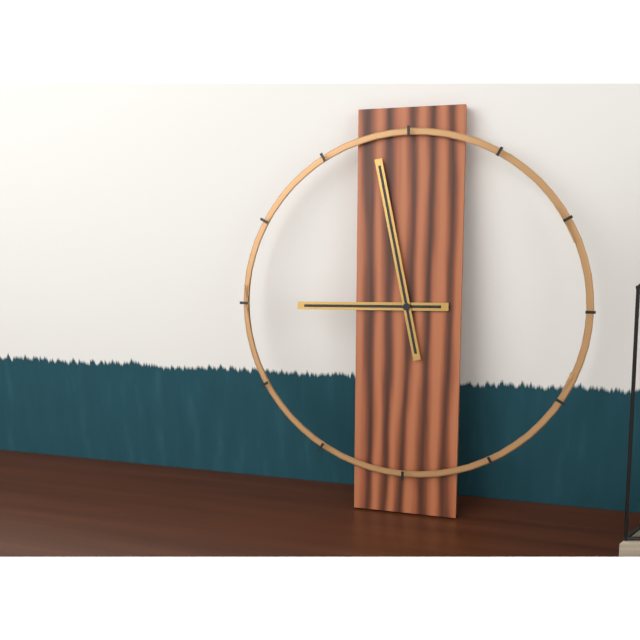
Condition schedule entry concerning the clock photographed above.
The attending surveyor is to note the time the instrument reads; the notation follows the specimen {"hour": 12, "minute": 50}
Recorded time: {"hour": 8, "minute": 58}
